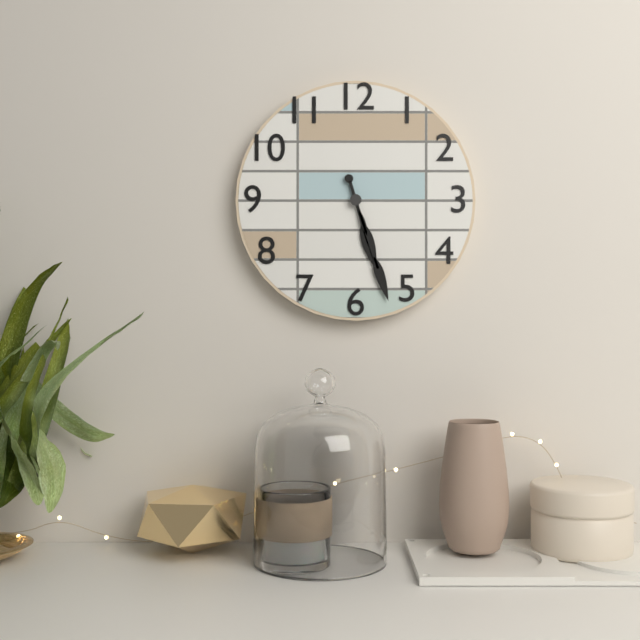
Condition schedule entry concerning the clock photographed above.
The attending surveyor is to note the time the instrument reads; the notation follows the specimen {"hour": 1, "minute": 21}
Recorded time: {"hour": 5, "minute": 27}
